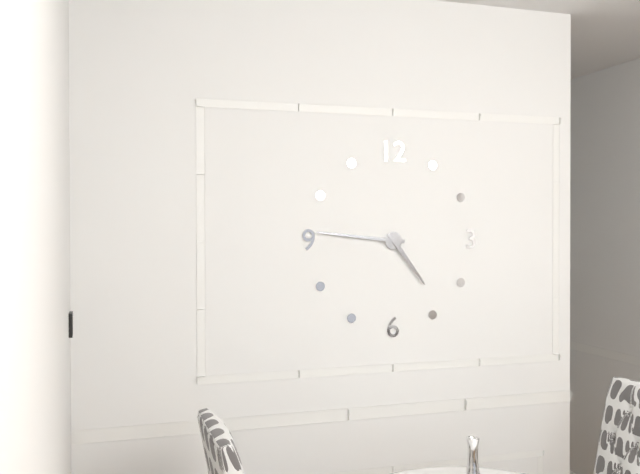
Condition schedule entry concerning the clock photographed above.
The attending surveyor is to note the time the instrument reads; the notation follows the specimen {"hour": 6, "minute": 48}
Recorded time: {"hour": 4, "minute": 46}
